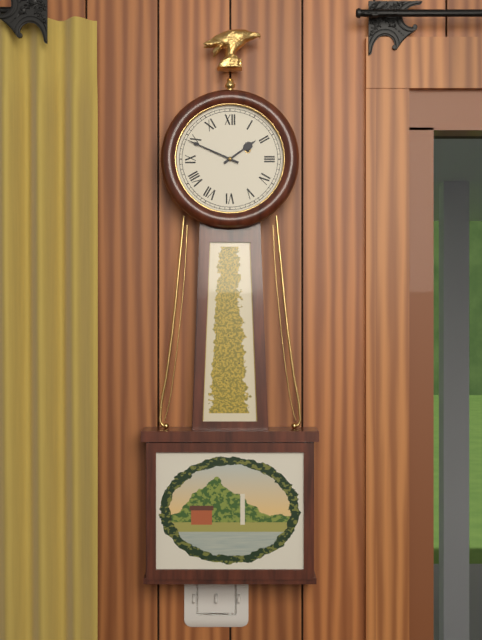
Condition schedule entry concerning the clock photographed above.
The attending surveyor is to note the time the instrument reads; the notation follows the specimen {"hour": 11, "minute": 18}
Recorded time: {"hour": 1, "minute": 49}
